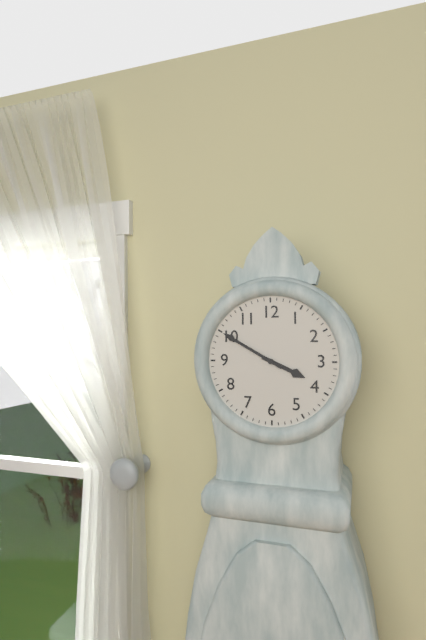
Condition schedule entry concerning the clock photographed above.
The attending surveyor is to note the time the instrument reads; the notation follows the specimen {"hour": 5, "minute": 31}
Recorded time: {"hour": 3, "minute": 50}
